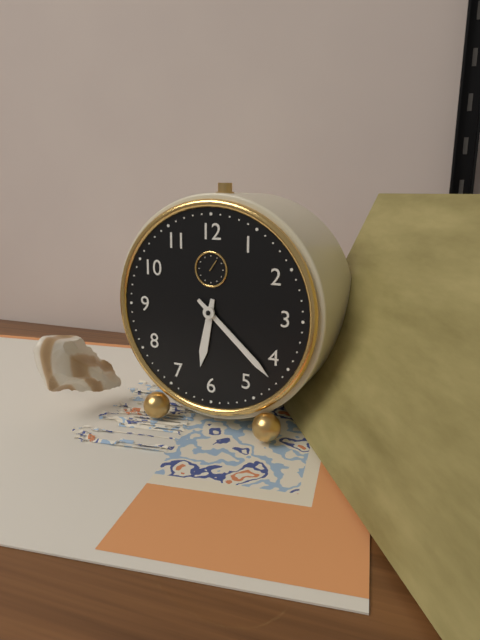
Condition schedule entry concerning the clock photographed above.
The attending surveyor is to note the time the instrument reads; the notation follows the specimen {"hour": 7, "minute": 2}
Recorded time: {"hour": 6, "minute": 22}
